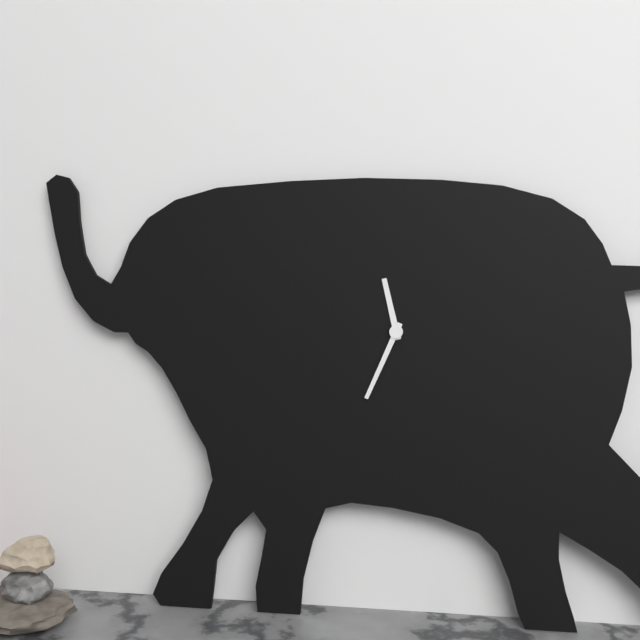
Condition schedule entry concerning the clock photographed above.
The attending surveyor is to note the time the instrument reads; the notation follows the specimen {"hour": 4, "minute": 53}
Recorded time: {"hour": 11, "minute": 34}
